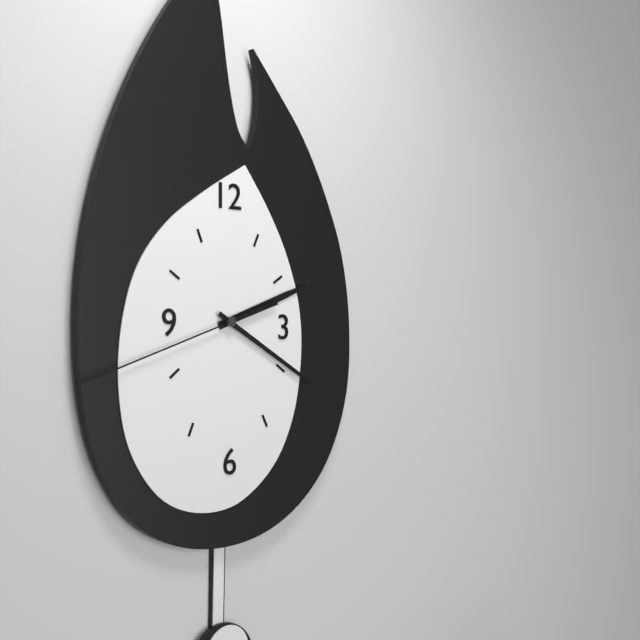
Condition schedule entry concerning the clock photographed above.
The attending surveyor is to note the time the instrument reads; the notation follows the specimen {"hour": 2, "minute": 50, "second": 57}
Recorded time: {"hour": 2, "minute": 20, "second": 42}
